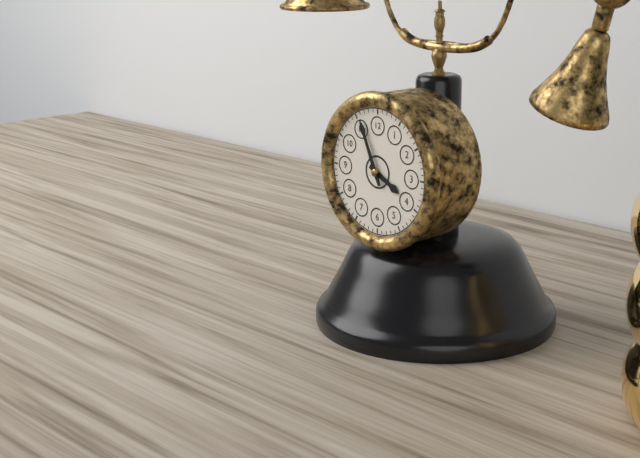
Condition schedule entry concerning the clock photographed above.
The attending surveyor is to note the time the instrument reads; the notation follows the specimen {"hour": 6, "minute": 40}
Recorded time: {"hour": 3, "minute": 56}
